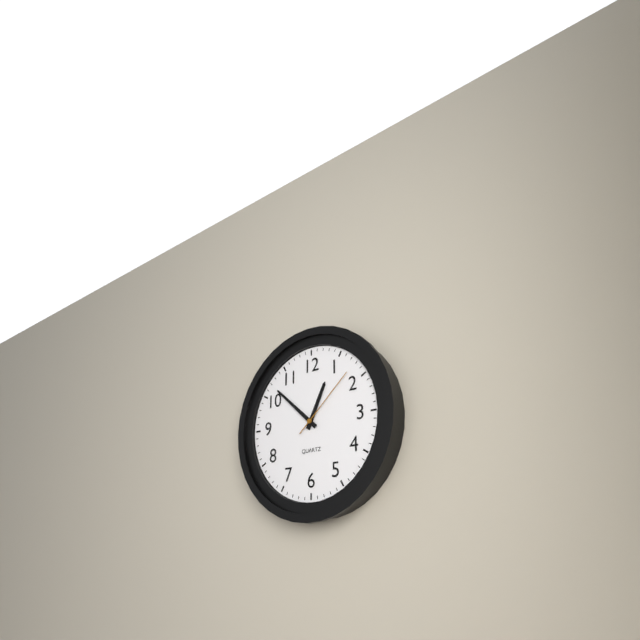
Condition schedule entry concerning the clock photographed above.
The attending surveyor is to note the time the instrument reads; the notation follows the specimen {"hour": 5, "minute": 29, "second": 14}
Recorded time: {"hour": 12, "minute": 52, "second": 8}
